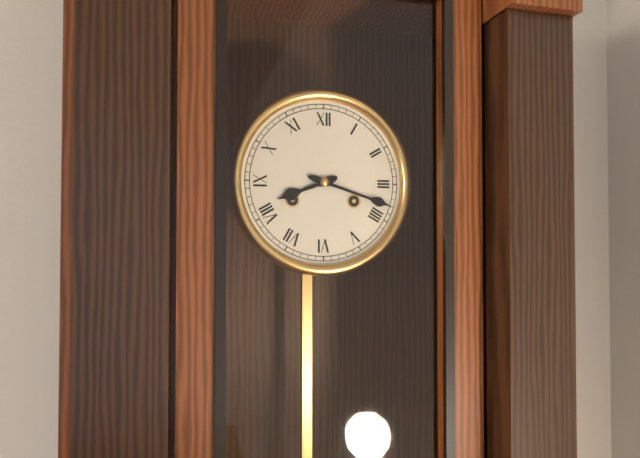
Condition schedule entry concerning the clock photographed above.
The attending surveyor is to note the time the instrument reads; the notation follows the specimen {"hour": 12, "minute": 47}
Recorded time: {"hour": 8, "minute": 18}
